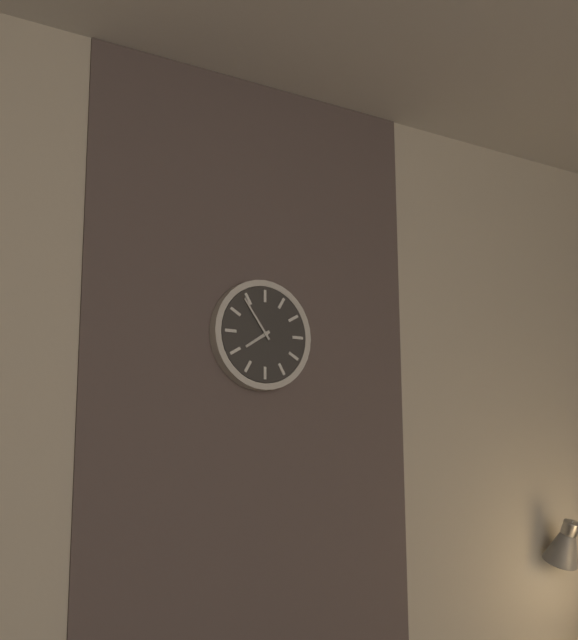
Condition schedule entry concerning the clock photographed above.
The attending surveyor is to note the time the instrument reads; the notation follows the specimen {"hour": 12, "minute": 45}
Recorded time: {"hour": 7, "minute": 54}
